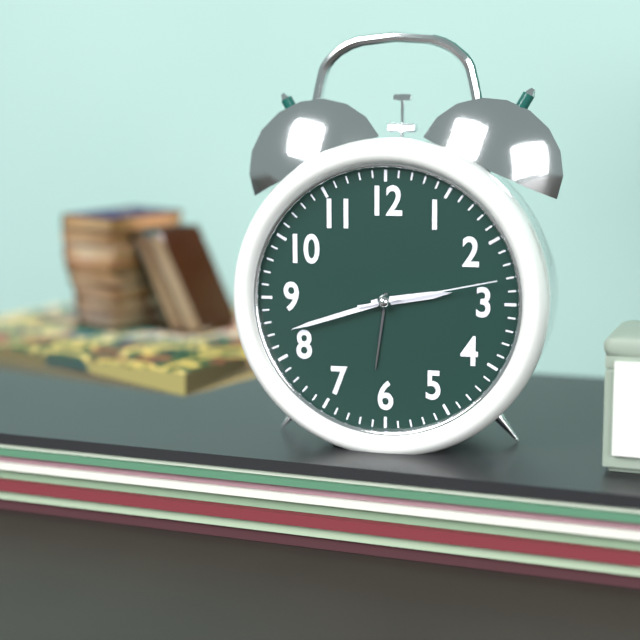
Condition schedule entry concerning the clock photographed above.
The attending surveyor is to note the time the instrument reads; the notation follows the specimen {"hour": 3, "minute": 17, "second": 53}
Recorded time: {"hour": 2, "minute": 42, "second": 13}
